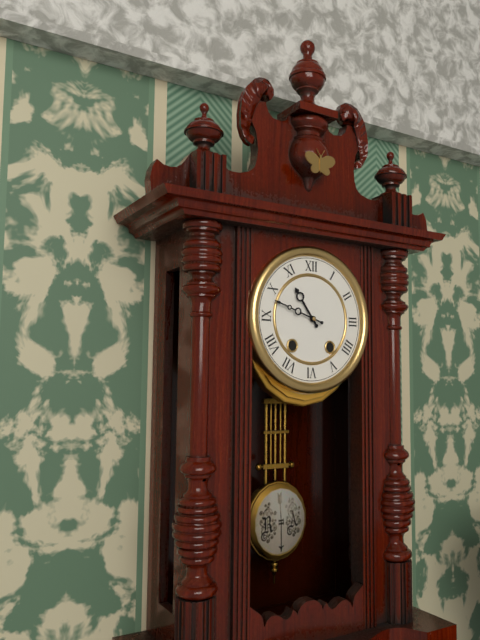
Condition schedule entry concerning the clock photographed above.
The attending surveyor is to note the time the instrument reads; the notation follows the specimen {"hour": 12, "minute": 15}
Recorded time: {"hour": 10, "minute": 48}
